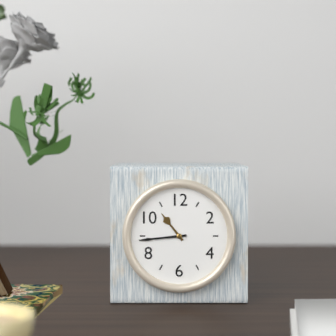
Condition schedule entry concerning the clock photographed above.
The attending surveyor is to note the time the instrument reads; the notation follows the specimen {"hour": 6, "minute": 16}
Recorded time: {"hour": 10, "minute": 44}
